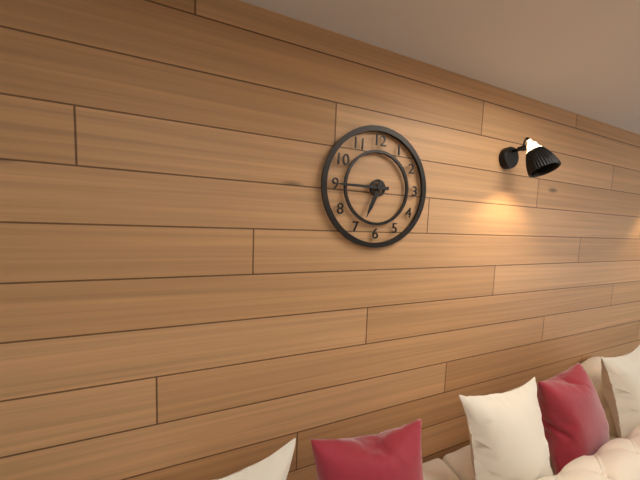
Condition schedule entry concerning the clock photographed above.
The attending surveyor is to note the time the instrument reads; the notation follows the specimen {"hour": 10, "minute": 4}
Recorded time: {"hour": 6, "minute": 45}
